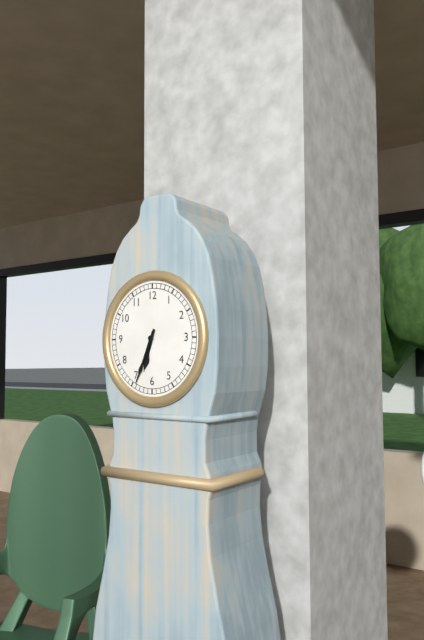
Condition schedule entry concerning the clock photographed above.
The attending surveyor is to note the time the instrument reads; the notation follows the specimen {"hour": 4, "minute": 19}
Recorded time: {"hour": 6, "minute": 34}
